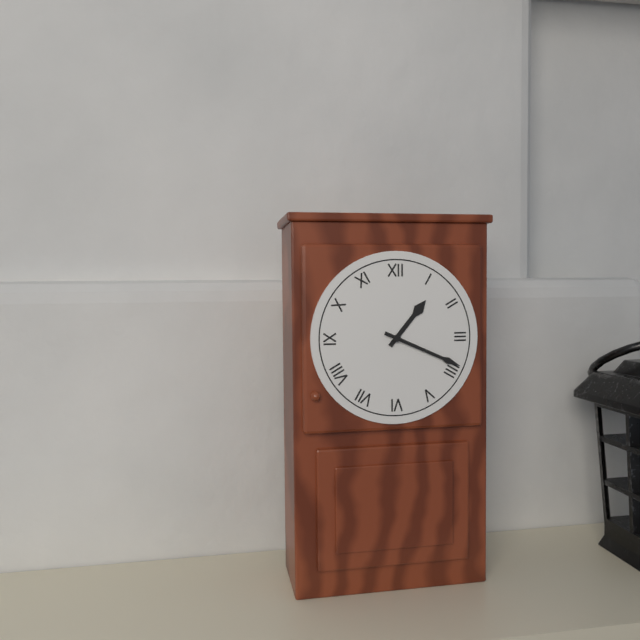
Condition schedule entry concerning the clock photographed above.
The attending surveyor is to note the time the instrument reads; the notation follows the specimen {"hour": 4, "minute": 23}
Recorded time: {"hour": 1, "minute": 19}
